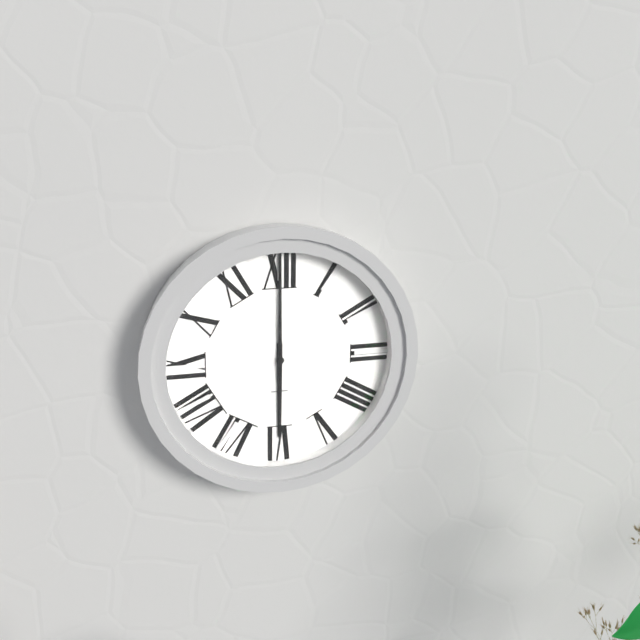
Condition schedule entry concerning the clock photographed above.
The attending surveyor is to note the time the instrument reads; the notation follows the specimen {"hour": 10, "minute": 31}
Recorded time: {"hour": 6, "minute": 0}
